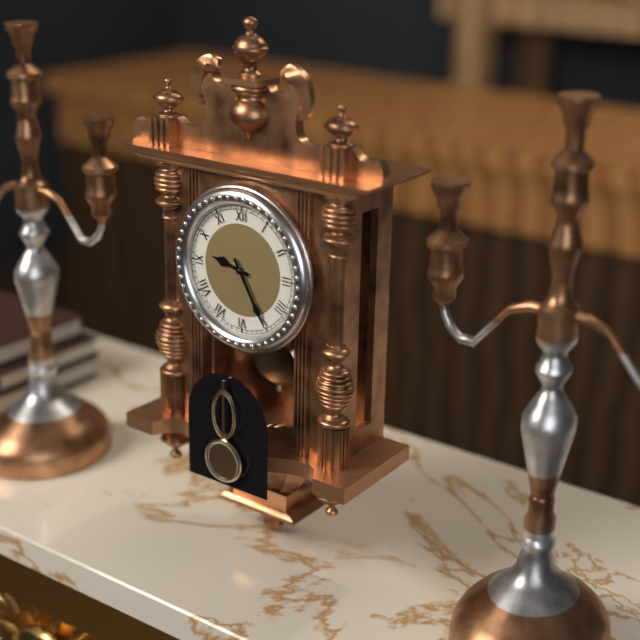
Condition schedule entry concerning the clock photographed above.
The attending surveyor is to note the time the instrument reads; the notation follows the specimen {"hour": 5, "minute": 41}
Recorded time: {"hour": 9, "minute": 25}
